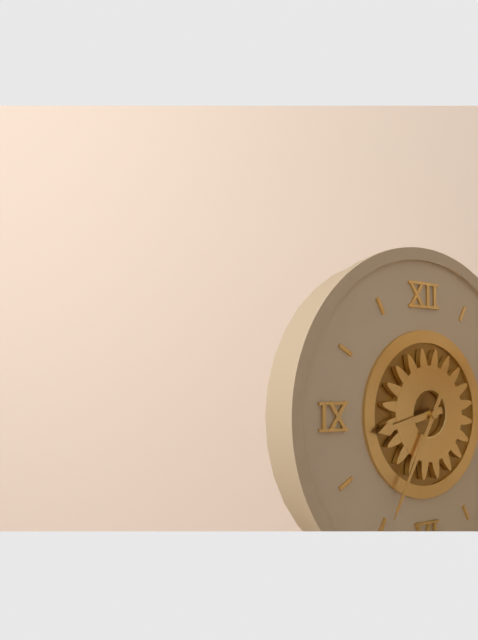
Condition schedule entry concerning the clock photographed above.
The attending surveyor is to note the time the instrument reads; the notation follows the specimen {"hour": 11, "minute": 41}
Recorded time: {"hour": 8, "minute": 35}
